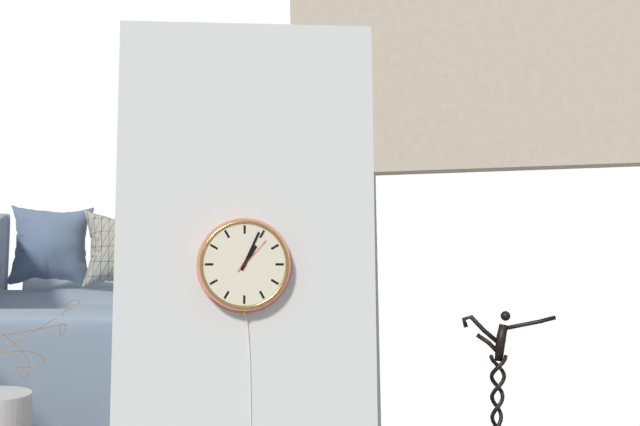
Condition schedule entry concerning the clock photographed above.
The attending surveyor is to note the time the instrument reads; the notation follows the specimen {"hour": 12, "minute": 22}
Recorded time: {"hour": 1, "minute": 4}
